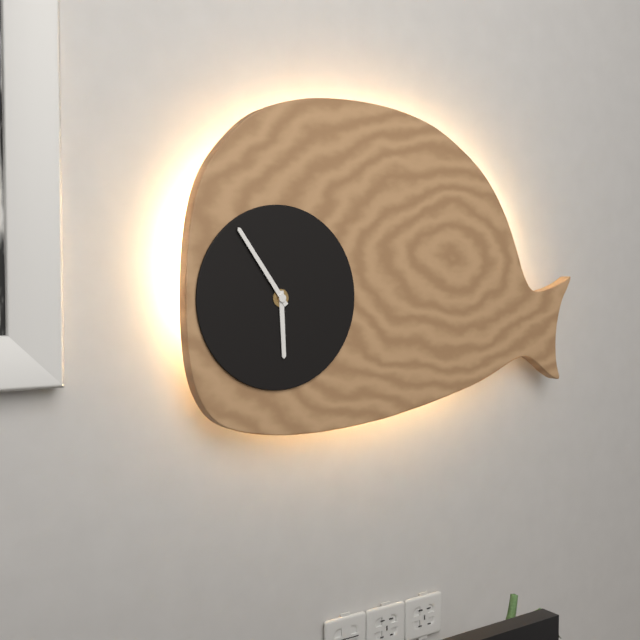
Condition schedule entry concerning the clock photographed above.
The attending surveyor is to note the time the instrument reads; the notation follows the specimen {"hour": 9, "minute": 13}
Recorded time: {"hour": 5, "minute": 54}
